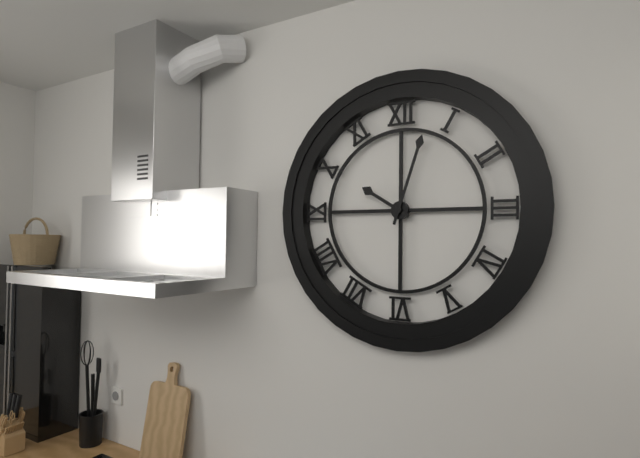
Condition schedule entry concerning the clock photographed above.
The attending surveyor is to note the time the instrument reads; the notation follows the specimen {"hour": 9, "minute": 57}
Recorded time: {"hour": 10, "minute": 3}
